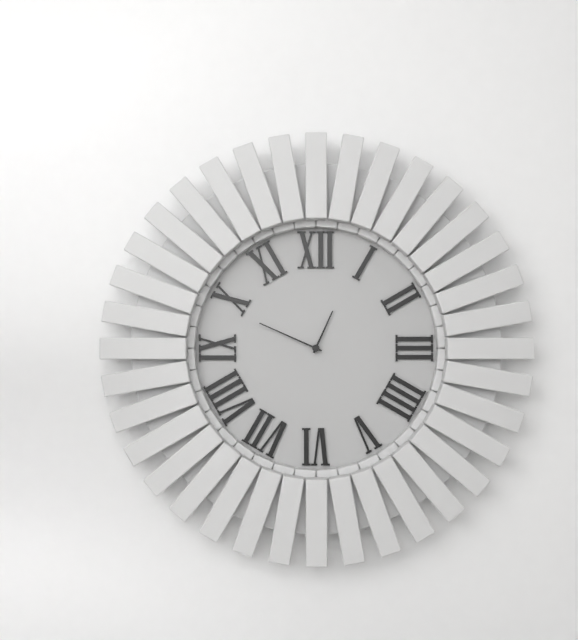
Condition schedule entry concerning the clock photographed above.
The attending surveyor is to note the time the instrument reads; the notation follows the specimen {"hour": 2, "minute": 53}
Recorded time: {"hour": 12, "minute": 49}
